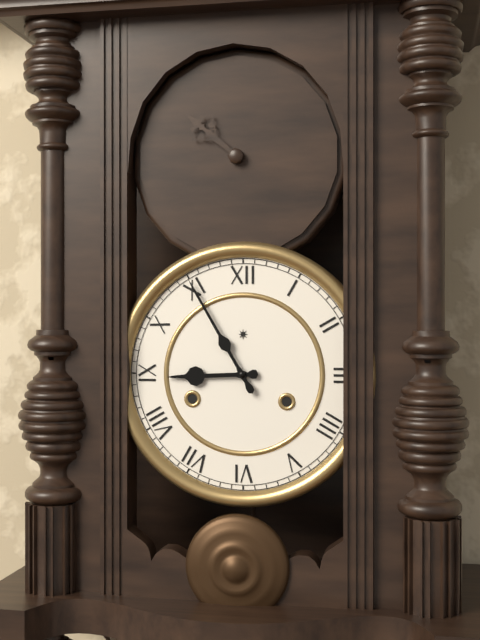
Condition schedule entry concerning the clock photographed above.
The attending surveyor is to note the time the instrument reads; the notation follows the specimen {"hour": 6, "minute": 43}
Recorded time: {"hour": 8, "minute": 55}
